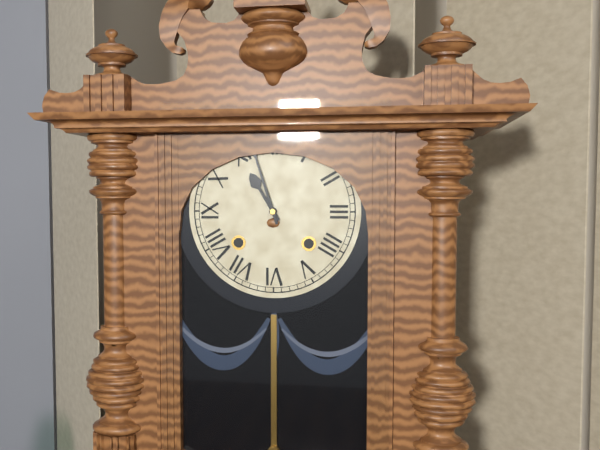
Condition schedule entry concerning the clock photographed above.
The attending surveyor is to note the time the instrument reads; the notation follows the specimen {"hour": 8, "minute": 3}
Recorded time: {"hour": 10, "minute": 57}
